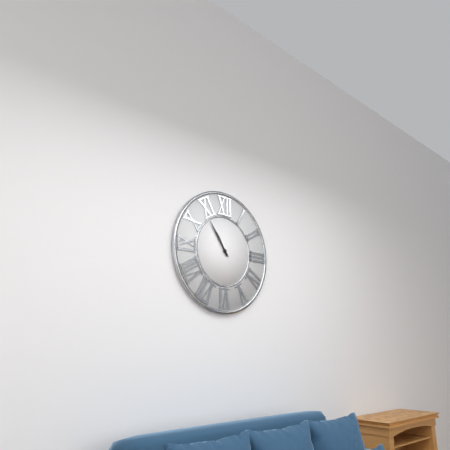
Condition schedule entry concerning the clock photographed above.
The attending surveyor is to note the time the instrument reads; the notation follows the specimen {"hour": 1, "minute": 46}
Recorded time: {"hour": 10, "minute": 54}
